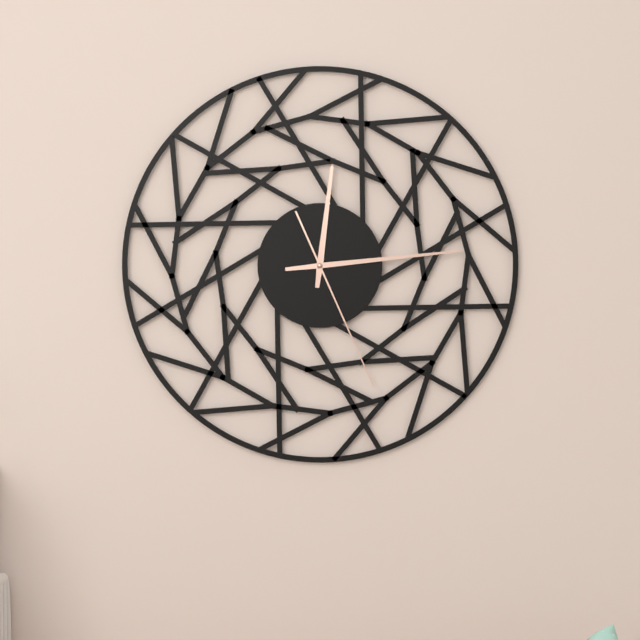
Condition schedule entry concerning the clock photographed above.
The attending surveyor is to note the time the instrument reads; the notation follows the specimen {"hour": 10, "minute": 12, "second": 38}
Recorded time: {"hour": 12, "minute": 14, "second": 26}
